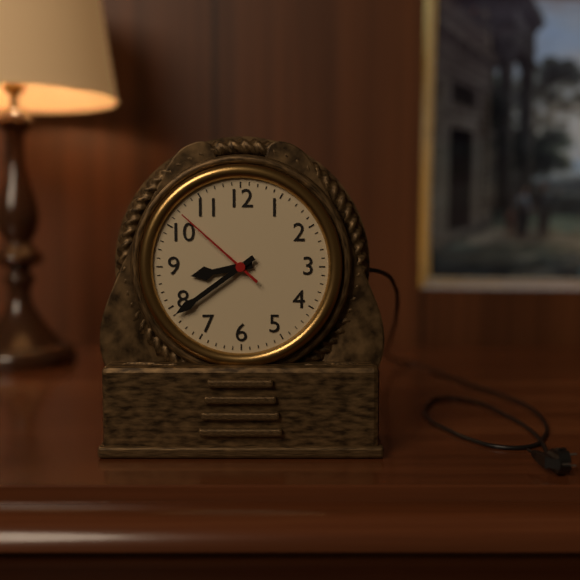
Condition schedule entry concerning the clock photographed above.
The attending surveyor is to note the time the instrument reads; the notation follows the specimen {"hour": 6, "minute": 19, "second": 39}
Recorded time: {"hour": 8, "minute": 39, "second": 52}
